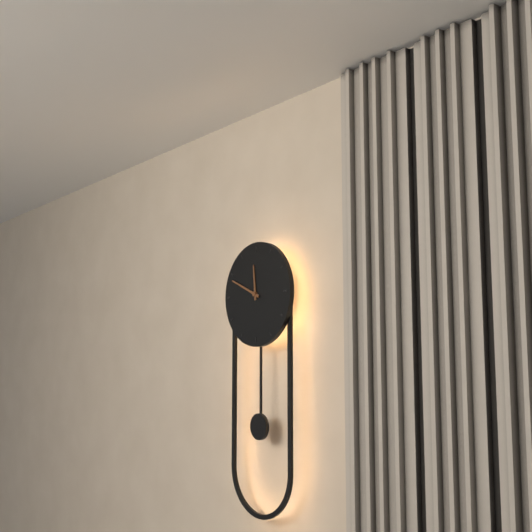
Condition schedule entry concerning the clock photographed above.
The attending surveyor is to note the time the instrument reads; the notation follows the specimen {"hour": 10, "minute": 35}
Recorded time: {"hour": 11, "minute": 49}
